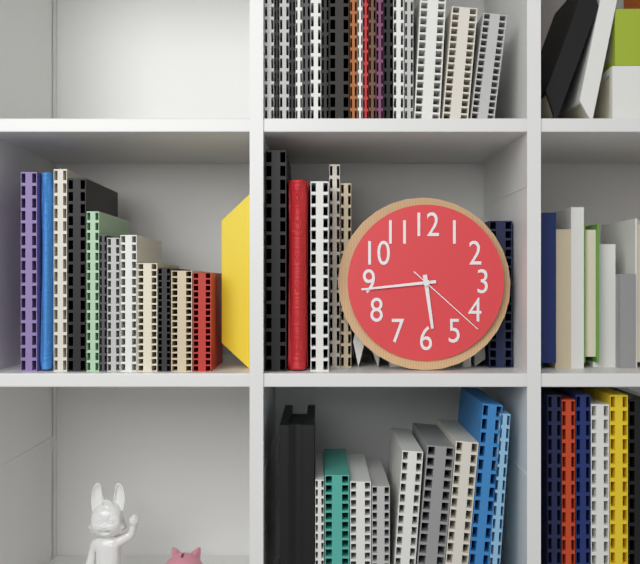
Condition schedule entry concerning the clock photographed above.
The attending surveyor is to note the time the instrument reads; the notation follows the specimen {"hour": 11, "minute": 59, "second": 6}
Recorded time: {"hour": 5, "minute": 44, "second": 22}
